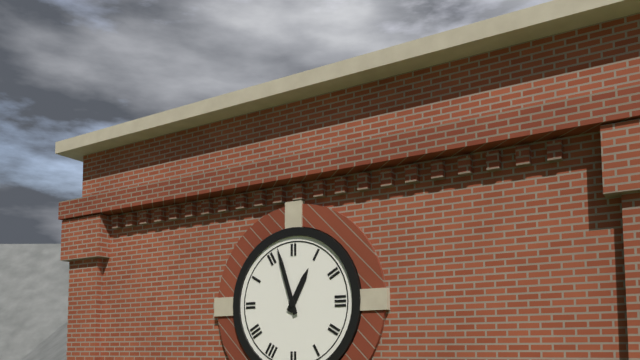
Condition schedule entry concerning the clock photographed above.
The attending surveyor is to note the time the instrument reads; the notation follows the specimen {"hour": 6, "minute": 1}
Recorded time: {"hour": 12, "minute": 57}
